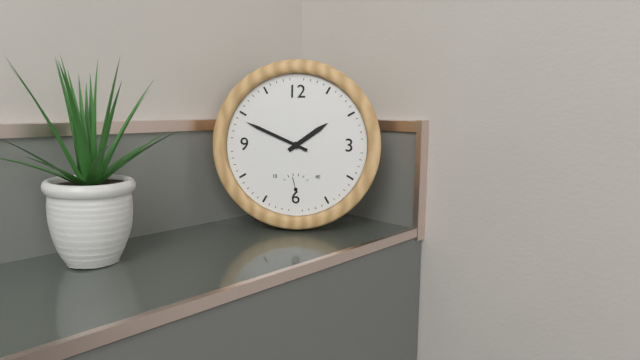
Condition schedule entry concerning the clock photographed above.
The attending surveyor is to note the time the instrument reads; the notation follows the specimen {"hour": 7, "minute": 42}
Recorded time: {"hour": 1, "minute": 49}
